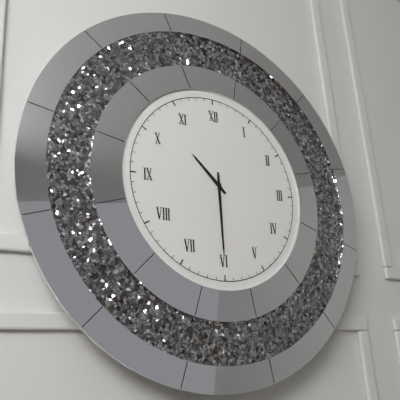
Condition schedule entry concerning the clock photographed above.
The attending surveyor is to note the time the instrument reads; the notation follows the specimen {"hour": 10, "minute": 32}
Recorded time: {"hour": 10, "minute": 30}
